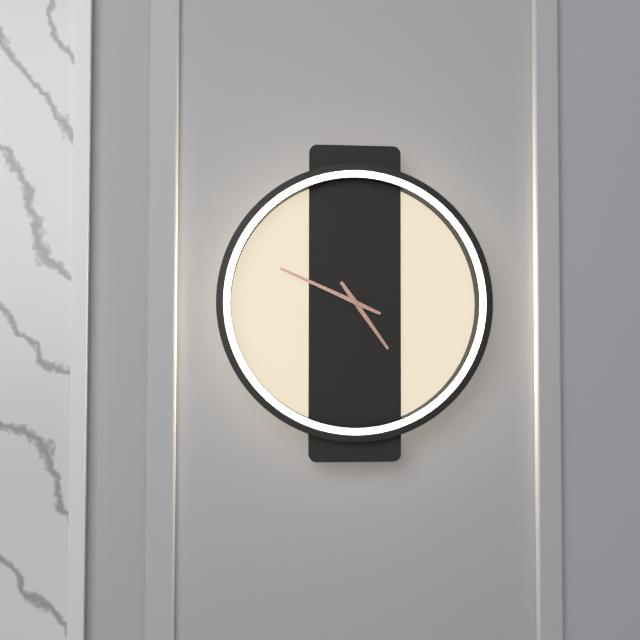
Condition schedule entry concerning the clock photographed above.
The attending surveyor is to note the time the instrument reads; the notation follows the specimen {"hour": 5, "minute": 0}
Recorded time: {"hour": 4, "minute": 49}
